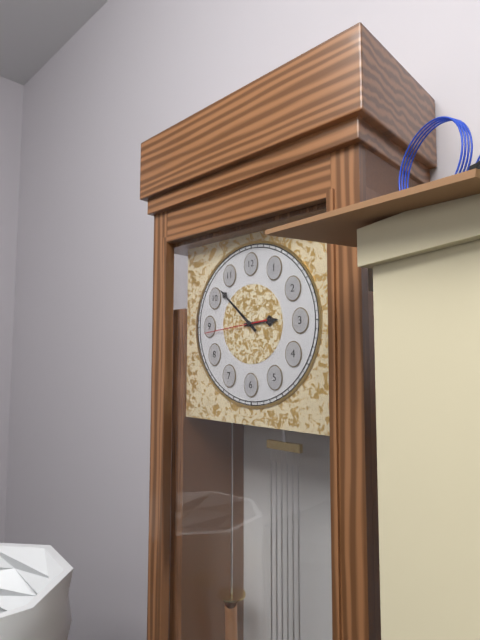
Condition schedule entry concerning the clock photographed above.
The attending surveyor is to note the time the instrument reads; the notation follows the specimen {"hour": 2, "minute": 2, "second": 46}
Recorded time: {"hour": 2, "minute": 52, "second": 44}
